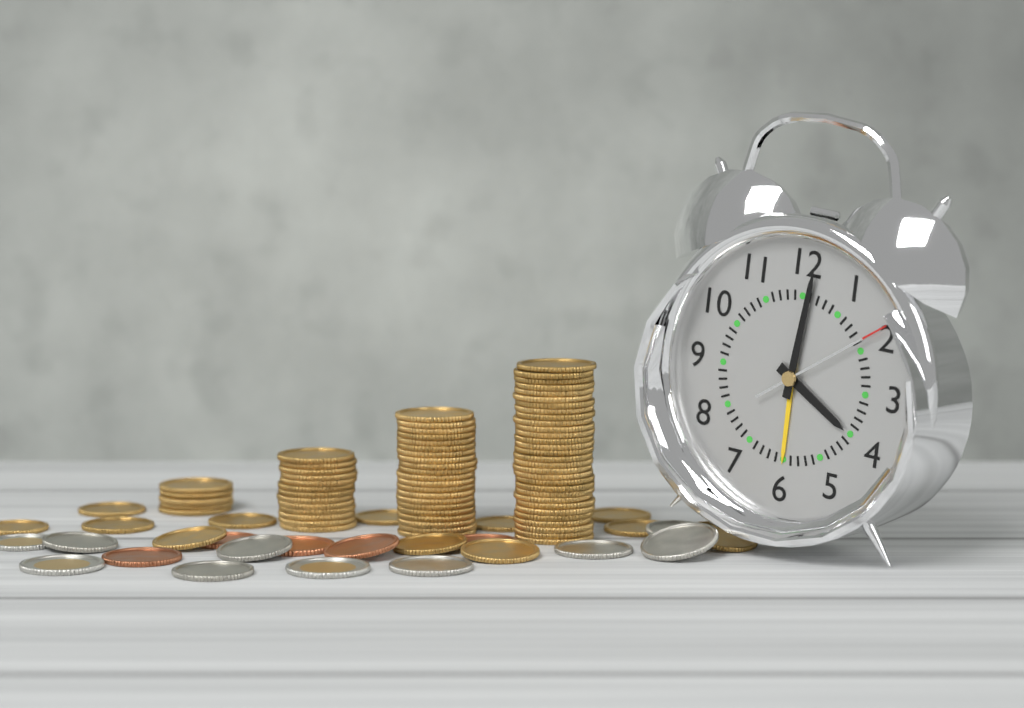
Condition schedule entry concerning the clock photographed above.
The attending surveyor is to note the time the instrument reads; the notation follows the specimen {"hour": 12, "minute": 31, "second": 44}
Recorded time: {"hour": 4, "minute": 1, "second": 9}
